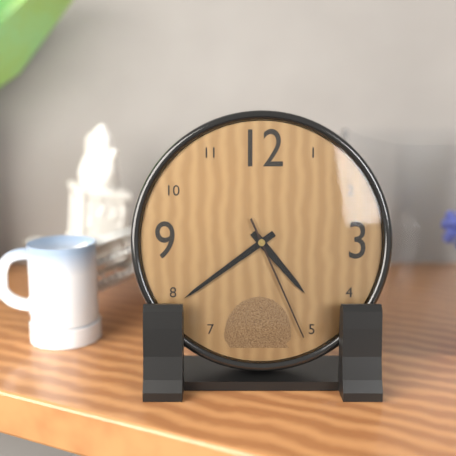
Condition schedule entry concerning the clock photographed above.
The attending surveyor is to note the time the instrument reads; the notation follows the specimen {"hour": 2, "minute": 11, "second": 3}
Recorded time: {"hour": 4, "minute": 39, "second": 26}
